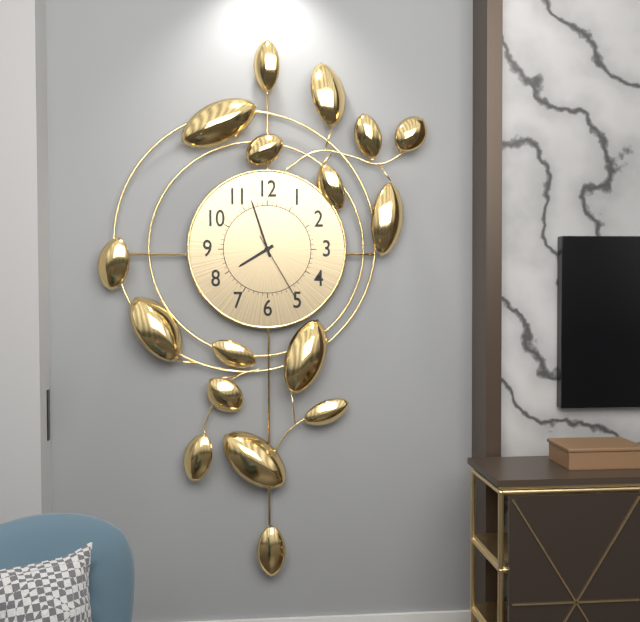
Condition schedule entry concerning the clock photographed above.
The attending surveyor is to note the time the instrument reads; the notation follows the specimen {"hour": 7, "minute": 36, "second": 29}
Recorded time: {"hour": 7, "minute": 57, "second": 25}
